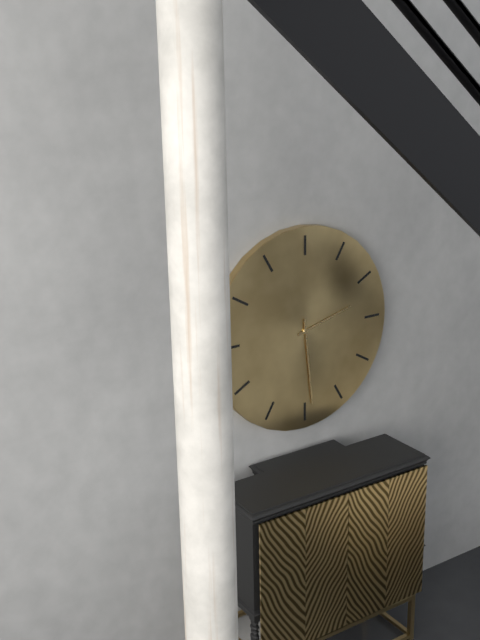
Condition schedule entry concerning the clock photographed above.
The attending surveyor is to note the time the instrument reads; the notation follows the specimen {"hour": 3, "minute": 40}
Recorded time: {"hour": 2, "minute": 29}
